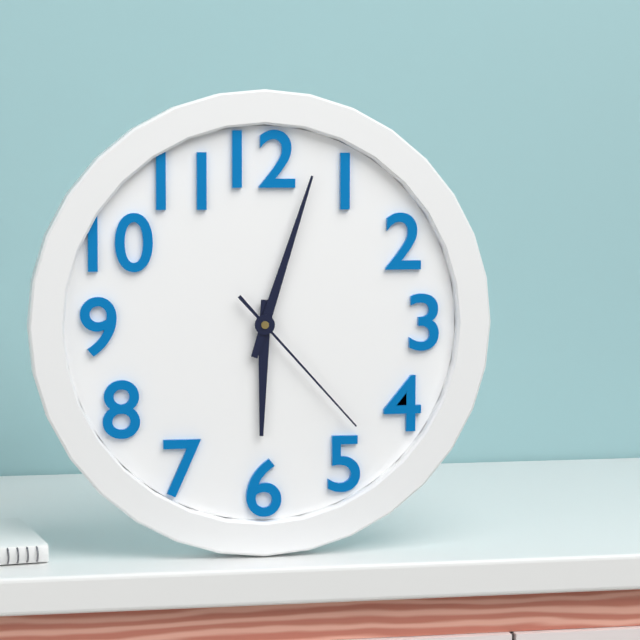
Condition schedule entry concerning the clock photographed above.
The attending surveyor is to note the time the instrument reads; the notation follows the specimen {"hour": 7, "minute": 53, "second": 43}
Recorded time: {"hour": 6, "minute": 3, "second": 23}
